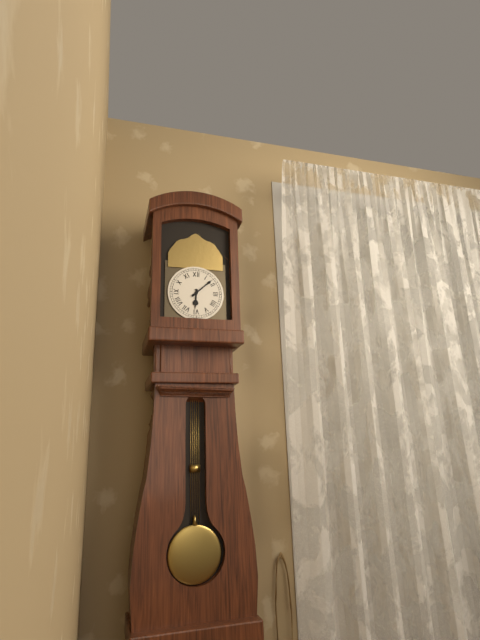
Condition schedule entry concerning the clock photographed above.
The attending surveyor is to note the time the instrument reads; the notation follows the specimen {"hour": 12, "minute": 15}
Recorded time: {"hour": 6, "minute": 8}
